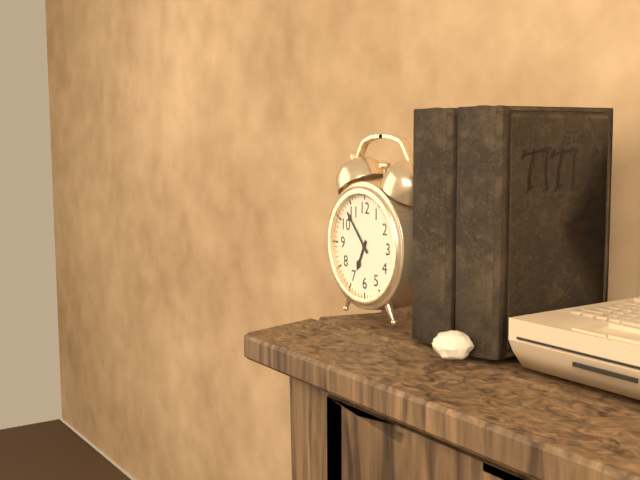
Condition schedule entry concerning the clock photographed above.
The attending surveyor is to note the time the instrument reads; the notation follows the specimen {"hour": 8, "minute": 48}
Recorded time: {"hour": 6, "minute": 53}
